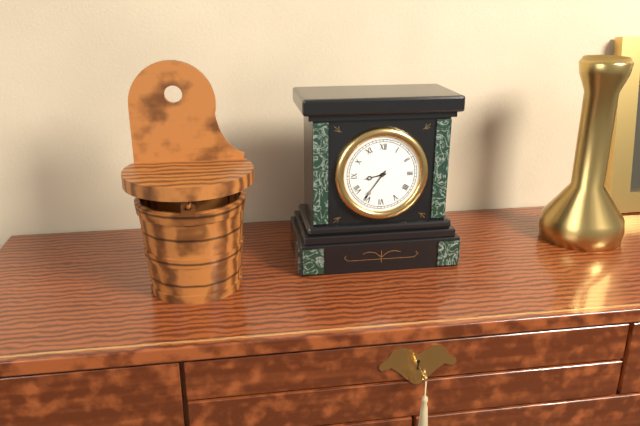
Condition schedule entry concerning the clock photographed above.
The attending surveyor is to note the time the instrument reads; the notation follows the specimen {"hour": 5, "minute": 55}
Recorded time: {"hour": 8, "minute": 36}
